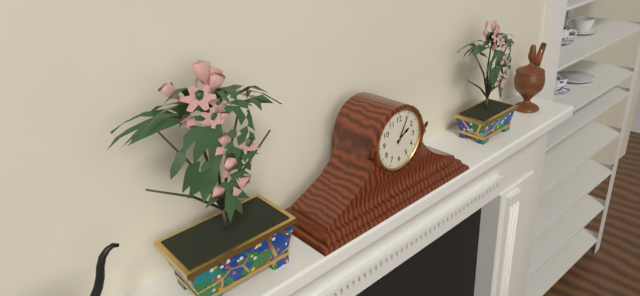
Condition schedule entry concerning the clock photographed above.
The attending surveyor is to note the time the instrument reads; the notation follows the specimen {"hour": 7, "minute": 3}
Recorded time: {"hour": 2, "minute": 5}
